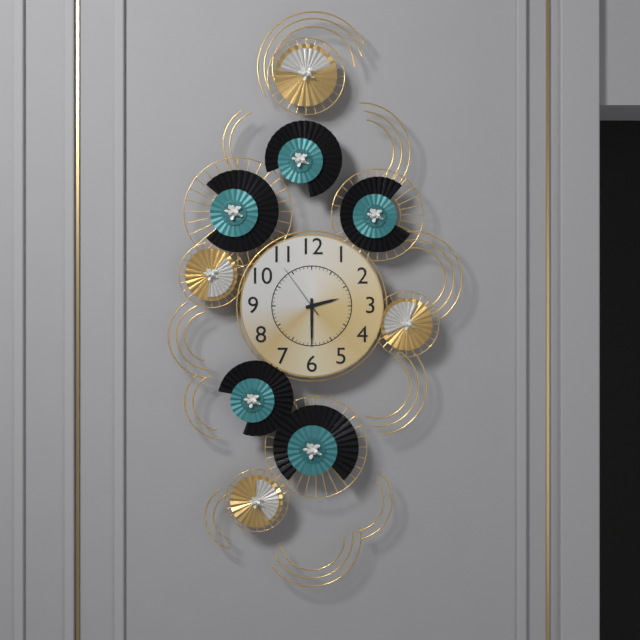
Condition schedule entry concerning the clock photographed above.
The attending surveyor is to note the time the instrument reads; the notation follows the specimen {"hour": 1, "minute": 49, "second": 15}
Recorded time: {"hour": 2, "minute": 30, "second": 54}
